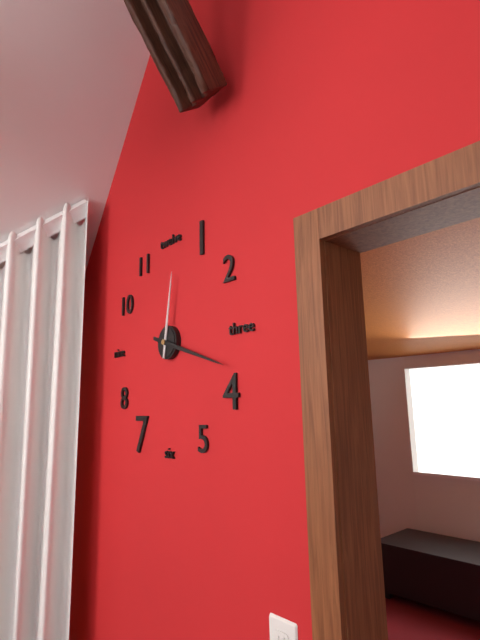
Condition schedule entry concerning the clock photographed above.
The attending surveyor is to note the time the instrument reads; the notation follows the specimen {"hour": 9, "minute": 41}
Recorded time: {"hour": 12, "minute": 18}
